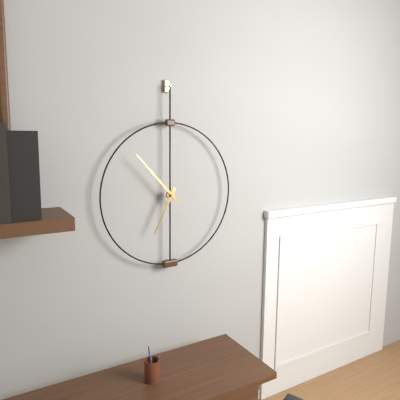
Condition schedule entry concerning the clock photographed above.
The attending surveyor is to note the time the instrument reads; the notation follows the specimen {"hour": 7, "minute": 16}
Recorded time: {"hour": 6, "minute": 53}
